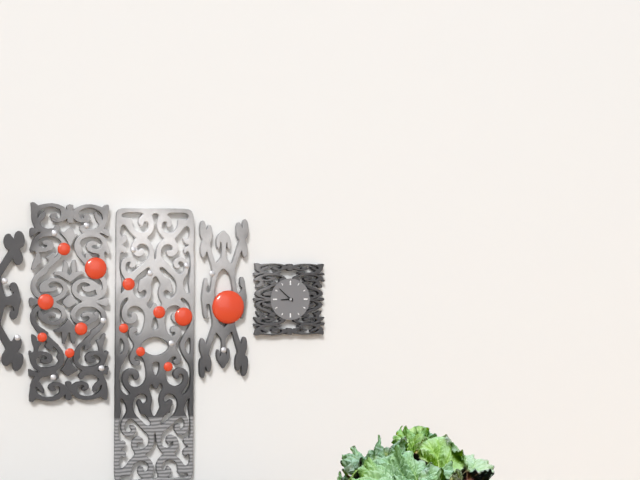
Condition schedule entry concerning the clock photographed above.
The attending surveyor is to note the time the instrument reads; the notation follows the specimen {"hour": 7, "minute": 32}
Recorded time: {"hour": 8, "minute": 52}
